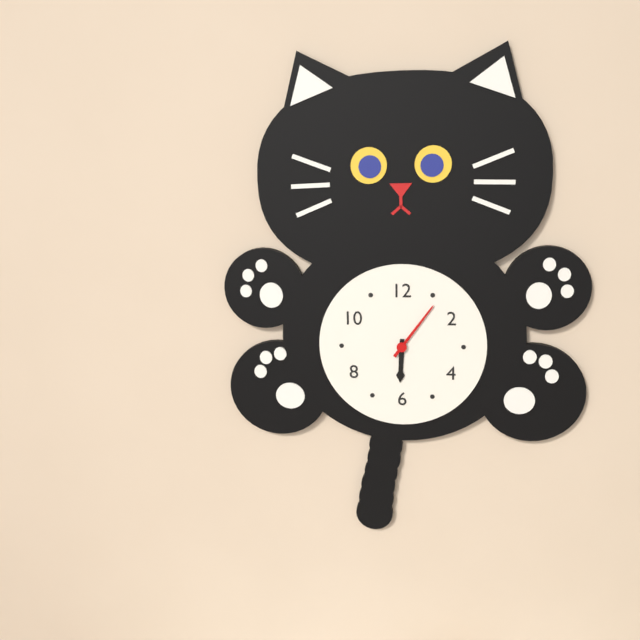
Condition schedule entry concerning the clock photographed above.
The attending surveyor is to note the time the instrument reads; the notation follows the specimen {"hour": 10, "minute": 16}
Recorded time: {"hour": 6, "minute": 6}
